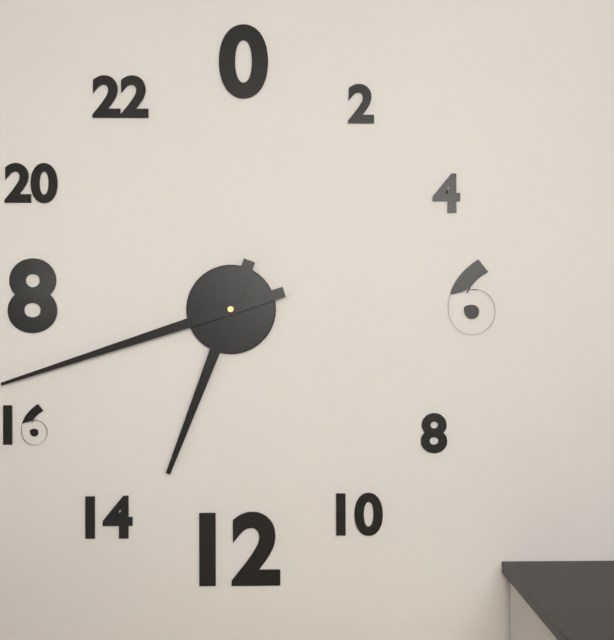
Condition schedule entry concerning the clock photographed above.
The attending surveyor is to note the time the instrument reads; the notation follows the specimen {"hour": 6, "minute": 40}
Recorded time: {"hour": 6, "minute": 42}
